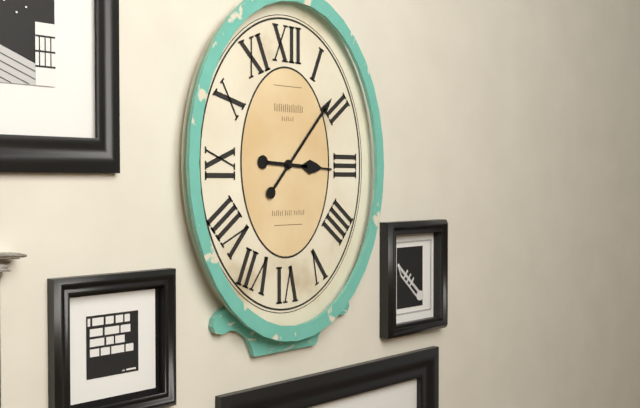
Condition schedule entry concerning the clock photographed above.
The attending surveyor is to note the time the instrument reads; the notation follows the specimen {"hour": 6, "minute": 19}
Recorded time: {"hour": 3, "minute": 7}
